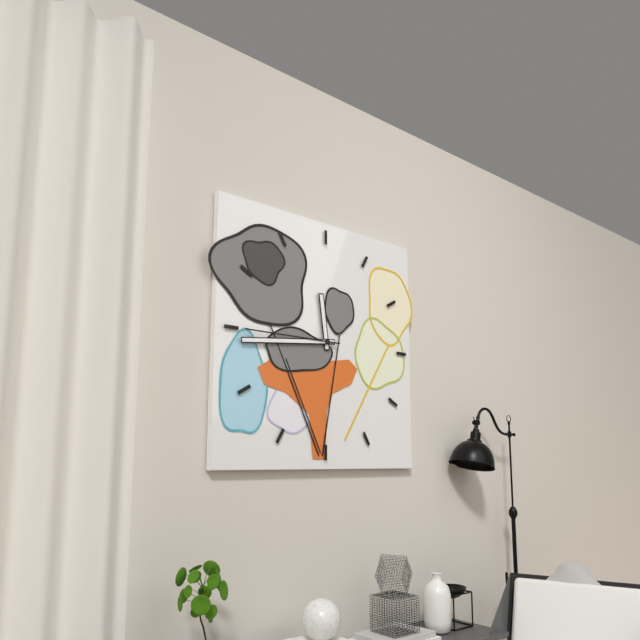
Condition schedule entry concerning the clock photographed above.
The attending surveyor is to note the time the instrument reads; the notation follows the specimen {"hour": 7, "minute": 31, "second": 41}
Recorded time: {"hour": 11, "minute": 44, "second": 45}
